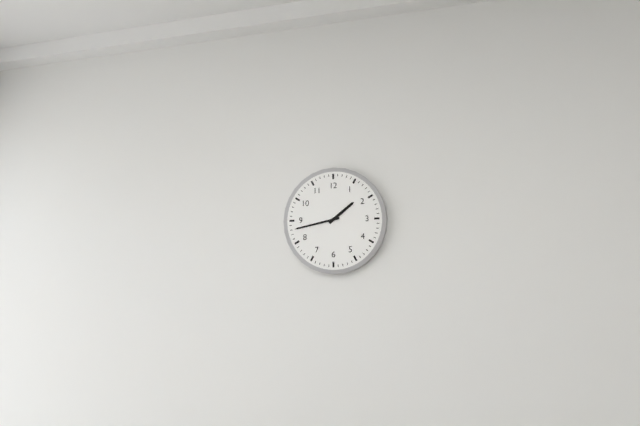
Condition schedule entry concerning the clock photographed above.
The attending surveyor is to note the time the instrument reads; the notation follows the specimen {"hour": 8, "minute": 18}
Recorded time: {"hour": 1, "minute": 43}
